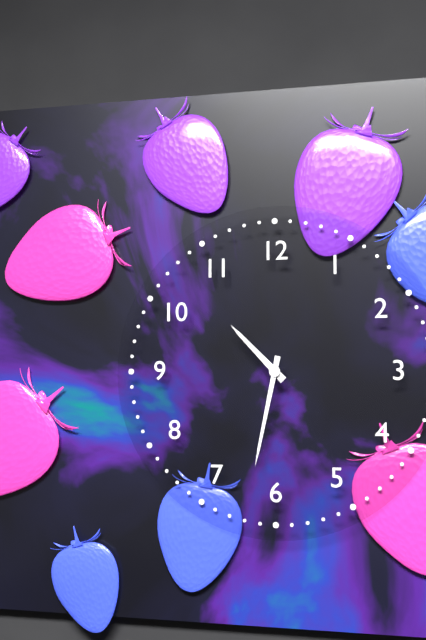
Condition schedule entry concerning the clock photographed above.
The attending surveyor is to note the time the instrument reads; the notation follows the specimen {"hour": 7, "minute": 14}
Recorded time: {"hour": 10, "minute": 32}
